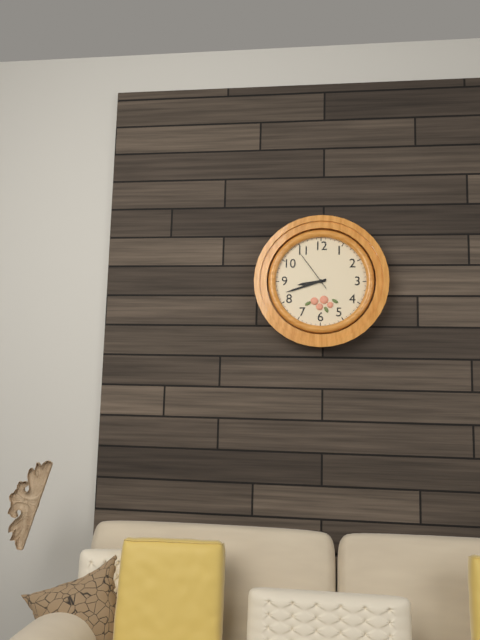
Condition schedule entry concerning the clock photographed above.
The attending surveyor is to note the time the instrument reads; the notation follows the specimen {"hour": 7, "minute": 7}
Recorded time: {"hour": 8, "minute": 42}
